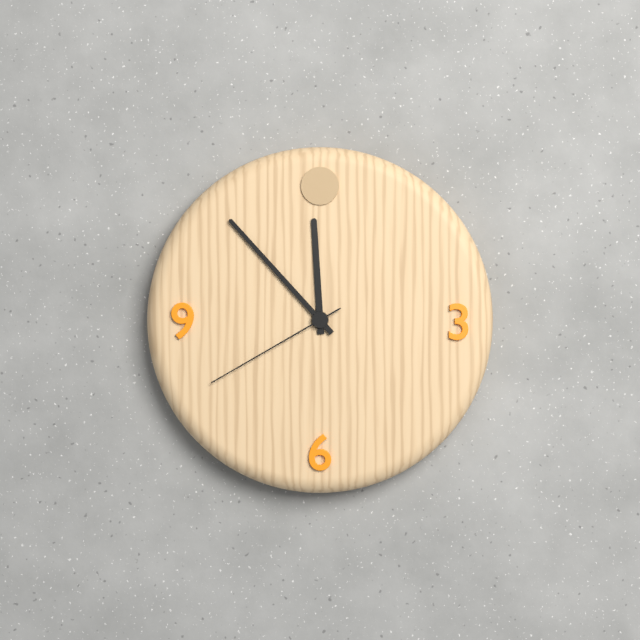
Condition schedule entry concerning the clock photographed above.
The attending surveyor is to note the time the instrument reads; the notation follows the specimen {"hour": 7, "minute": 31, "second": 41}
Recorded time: {"hour": 11, "minute": 53, "second": 40}
